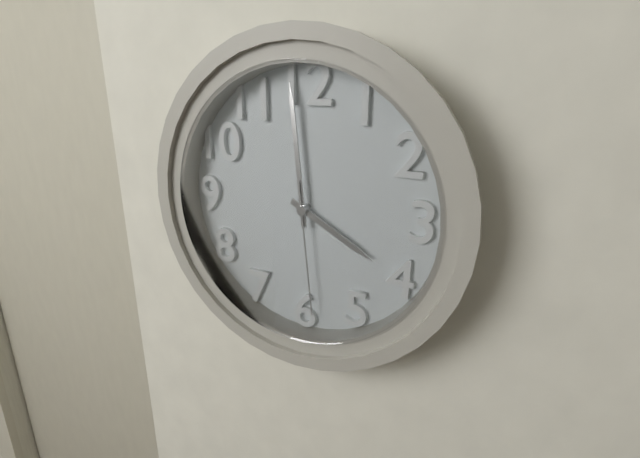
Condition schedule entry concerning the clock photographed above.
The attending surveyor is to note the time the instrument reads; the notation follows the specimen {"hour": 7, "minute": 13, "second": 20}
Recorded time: {"hour": 3, "minute": 59, "second": 29}
